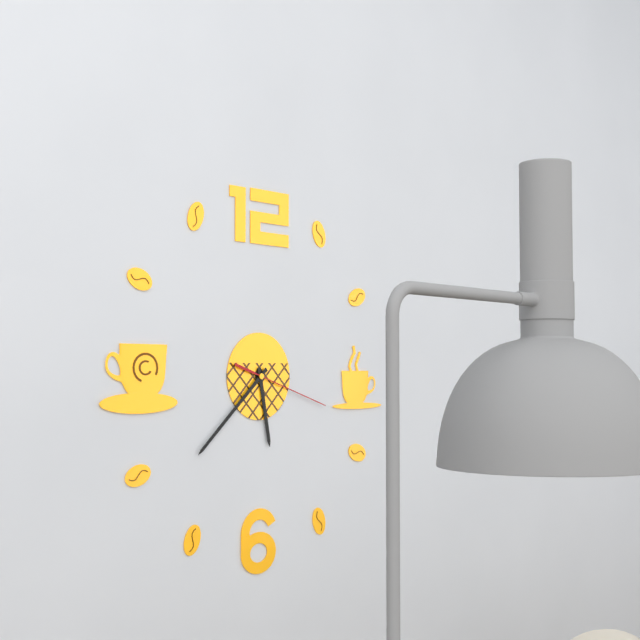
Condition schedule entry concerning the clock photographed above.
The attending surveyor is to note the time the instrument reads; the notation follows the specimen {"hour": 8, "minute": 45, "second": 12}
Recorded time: {"hour": 5, "minute": 38, "second": 18}
